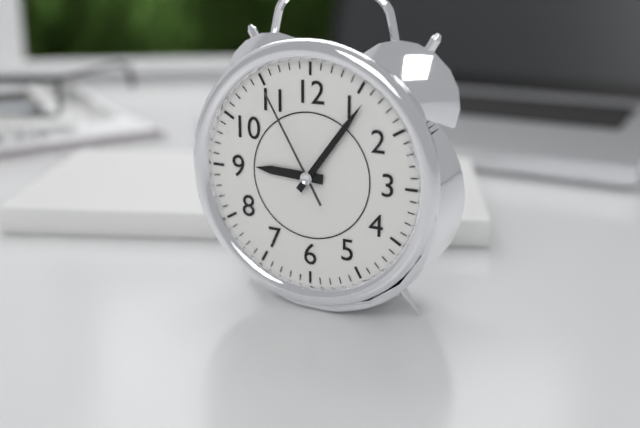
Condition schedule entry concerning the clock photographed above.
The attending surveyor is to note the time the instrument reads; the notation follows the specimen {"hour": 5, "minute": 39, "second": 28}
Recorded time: {"hour": 9, "minute": 6, "second": 55}
